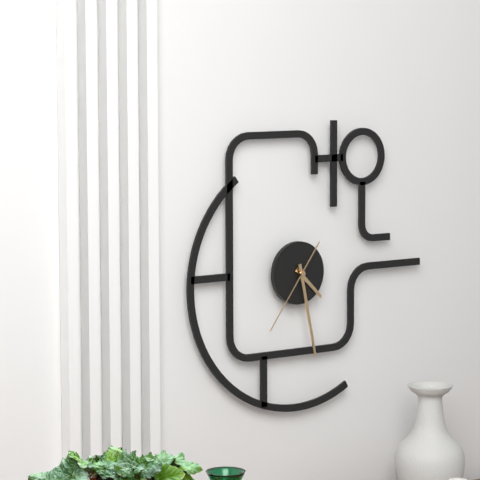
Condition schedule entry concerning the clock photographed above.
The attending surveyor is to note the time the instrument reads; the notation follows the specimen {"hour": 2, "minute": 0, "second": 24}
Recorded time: {"hour": 4, "minute": 28, "second": 36}
